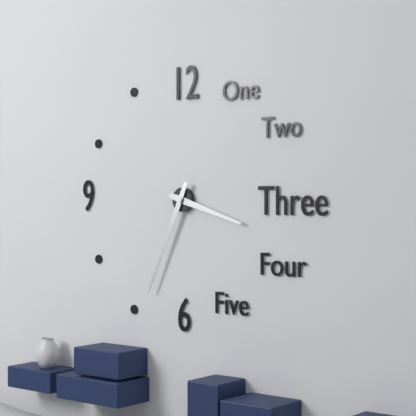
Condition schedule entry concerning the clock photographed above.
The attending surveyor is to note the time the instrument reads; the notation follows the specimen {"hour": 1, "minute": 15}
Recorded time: {"hour": 3, "minute": 34}
